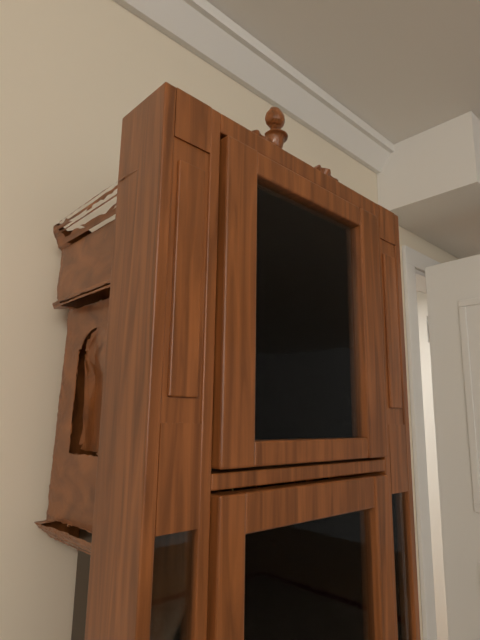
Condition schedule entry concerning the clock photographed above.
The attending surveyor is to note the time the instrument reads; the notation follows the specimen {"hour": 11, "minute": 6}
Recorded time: {"hour": 10, "minute": 19}
